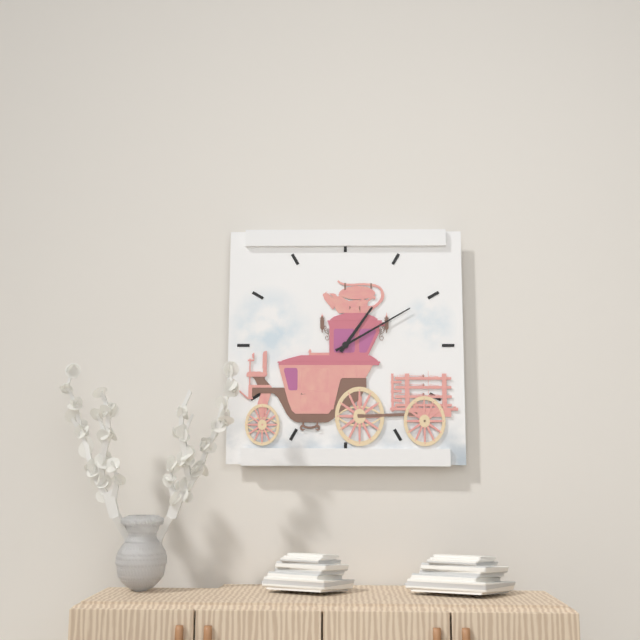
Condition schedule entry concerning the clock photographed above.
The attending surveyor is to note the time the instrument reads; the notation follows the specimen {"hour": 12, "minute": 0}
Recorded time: {"hour": 1, "minute": 10}
